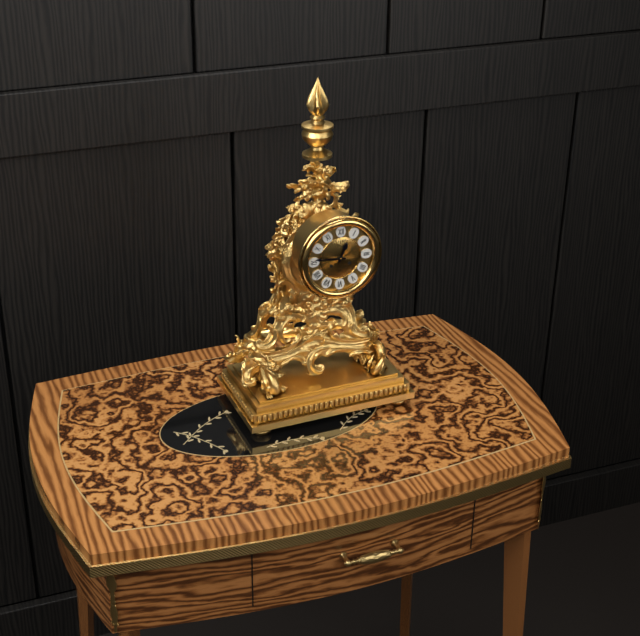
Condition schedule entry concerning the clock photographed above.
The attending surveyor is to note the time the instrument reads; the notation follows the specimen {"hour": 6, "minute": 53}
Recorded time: {"hour": 12, "minute": 46}
